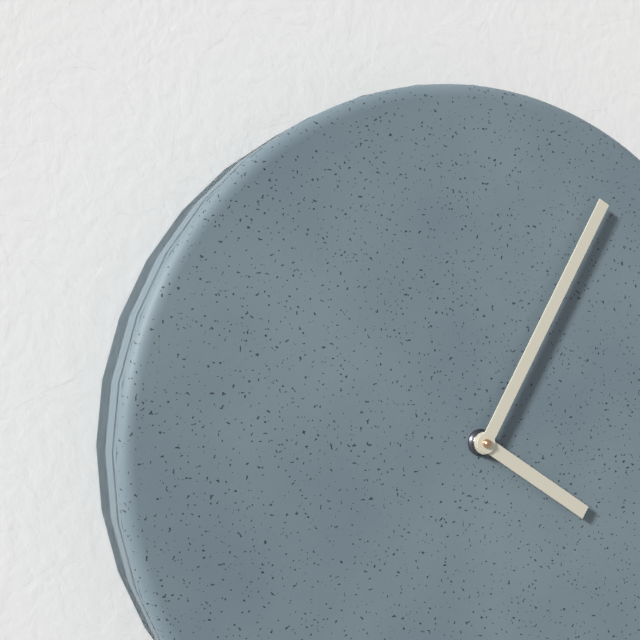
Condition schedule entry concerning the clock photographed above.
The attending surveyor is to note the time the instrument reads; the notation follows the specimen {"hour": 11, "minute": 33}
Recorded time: {"hour": 4, "minute": 5}
